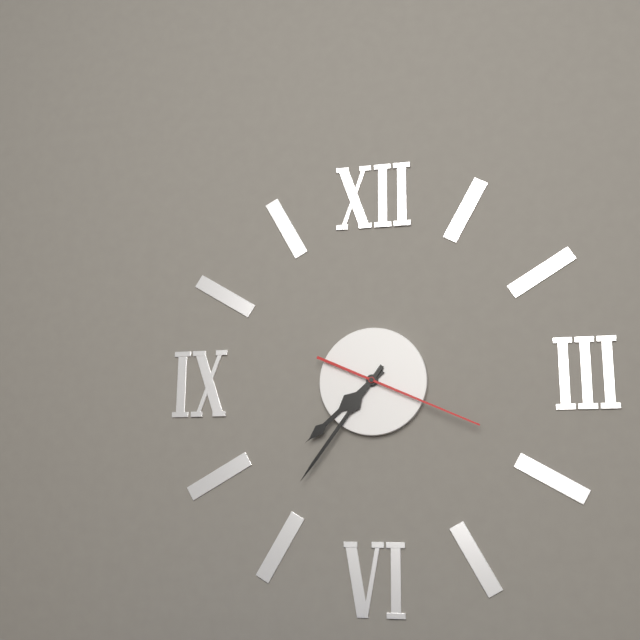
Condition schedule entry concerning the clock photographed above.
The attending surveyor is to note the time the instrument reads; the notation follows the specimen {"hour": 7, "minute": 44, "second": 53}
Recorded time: {"hour": 7, "minute": 36, "second": 19}
